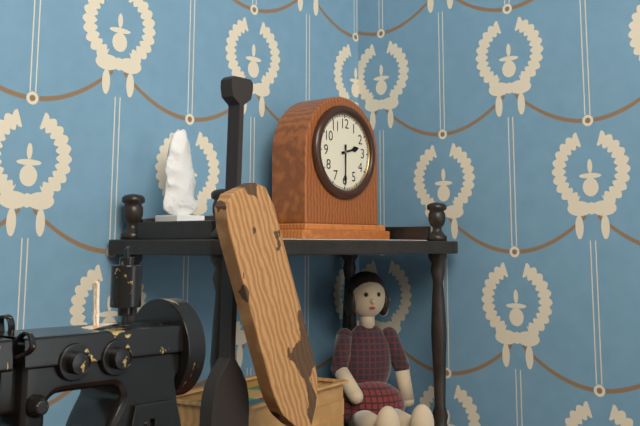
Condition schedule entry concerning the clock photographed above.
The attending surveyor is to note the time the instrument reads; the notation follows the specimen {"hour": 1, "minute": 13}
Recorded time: {"hour": 2, "minute": 30}
